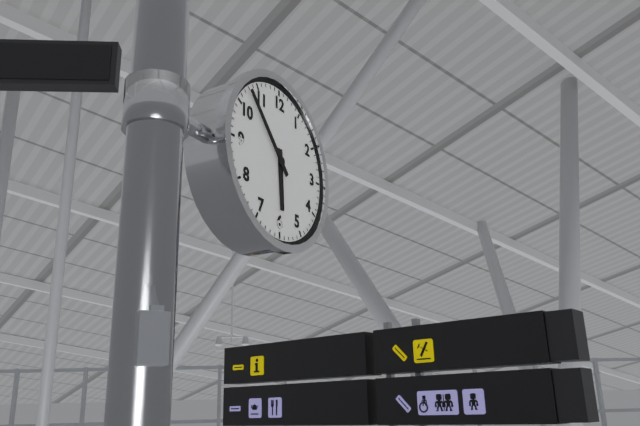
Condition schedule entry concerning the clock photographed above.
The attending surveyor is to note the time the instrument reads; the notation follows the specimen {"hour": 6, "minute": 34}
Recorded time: {"hour": 5, "minute": 53}
